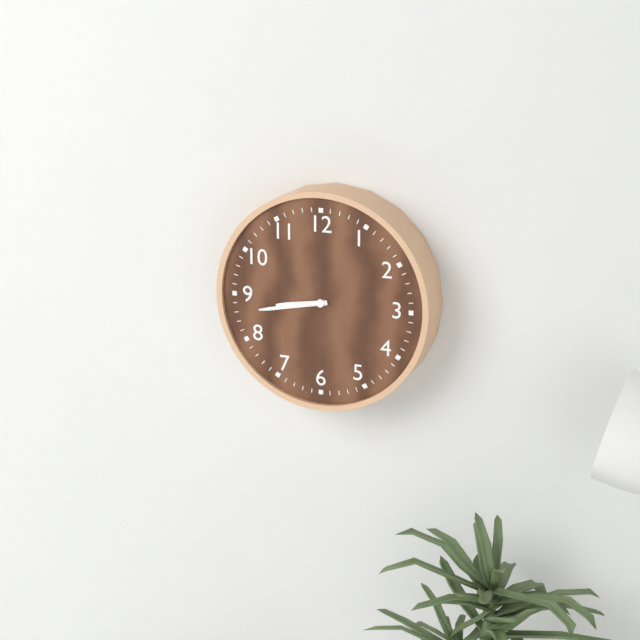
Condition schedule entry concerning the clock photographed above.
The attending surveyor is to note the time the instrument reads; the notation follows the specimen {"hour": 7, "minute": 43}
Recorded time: {"hour": 8, "minute": 43}
